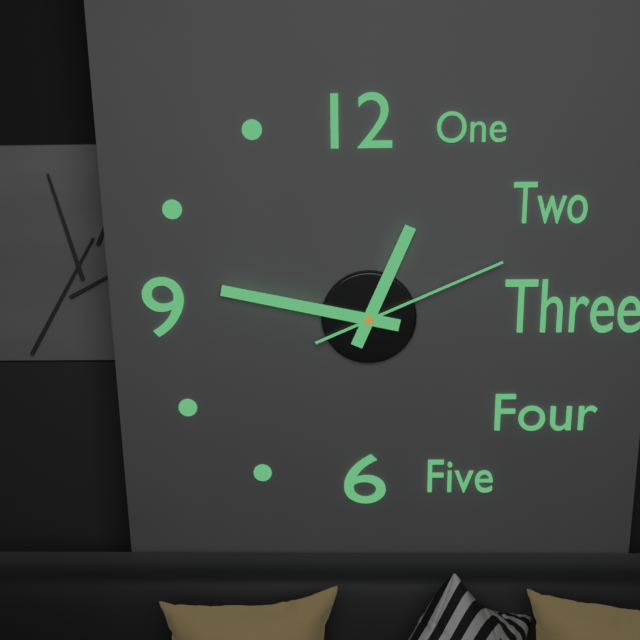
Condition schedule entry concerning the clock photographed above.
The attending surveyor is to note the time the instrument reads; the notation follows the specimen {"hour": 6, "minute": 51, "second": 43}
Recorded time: {"hour": 12, "minute": 47, "second": 11}
